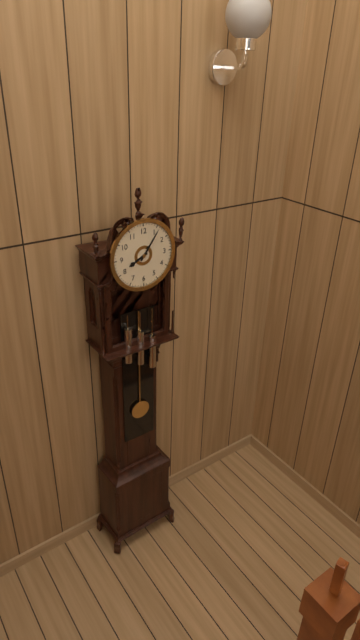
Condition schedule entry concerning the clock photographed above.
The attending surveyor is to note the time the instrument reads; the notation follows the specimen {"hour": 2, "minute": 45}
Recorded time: {"hour": 8, "minute": 6}
